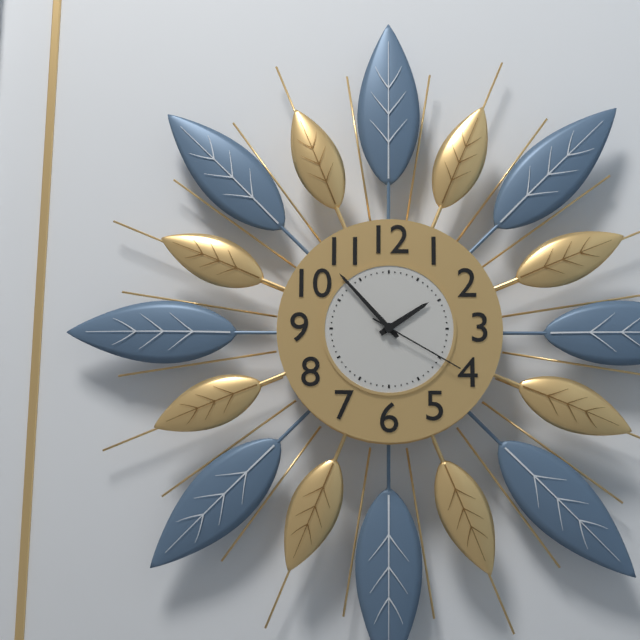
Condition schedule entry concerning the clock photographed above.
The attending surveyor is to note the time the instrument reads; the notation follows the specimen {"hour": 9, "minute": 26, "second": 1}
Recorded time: {"hour": 1, "minute": 53, "second": 20}
